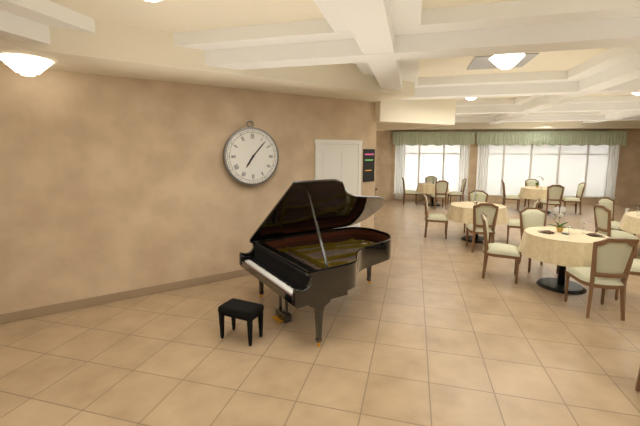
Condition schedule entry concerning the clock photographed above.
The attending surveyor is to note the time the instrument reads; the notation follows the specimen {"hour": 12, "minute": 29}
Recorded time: {"hour": 7, "minute": 7}
